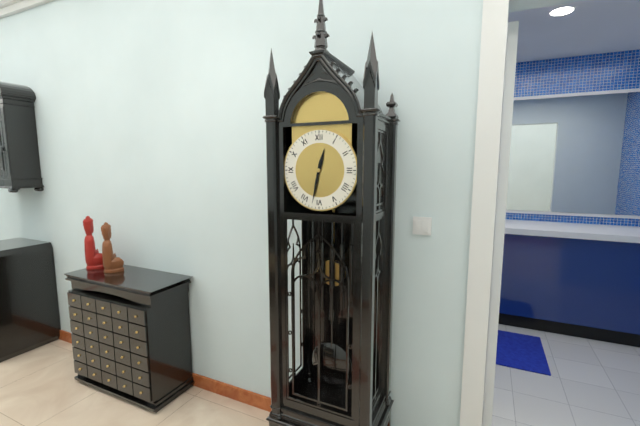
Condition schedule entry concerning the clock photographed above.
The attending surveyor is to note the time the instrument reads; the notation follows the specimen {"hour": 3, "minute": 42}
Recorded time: {"hour": 12, "minute": 32}
